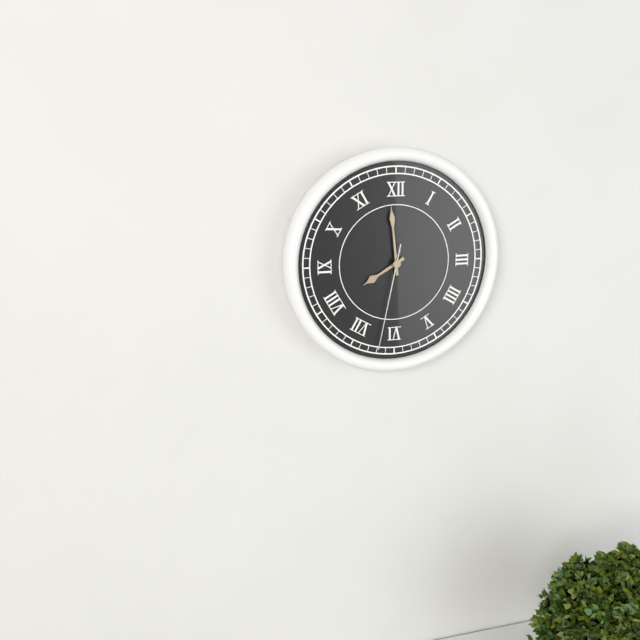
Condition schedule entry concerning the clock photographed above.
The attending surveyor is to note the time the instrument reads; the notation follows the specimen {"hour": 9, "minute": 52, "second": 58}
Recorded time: {"hour": 7, "minute": 59, "second": 32}
